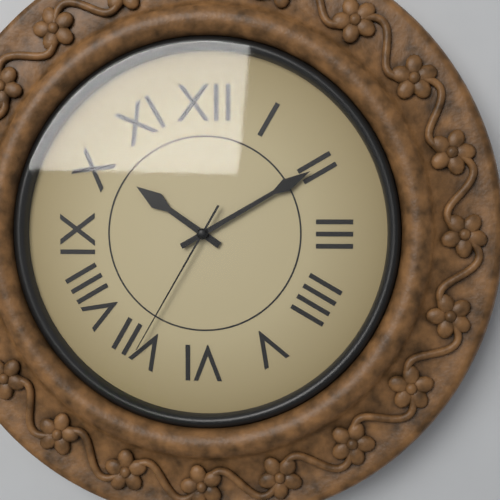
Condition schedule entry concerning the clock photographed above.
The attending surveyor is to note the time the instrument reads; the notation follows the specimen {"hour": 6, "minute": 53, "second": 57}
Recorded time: {"hour": 10, "minute": 10, "second": 35}
